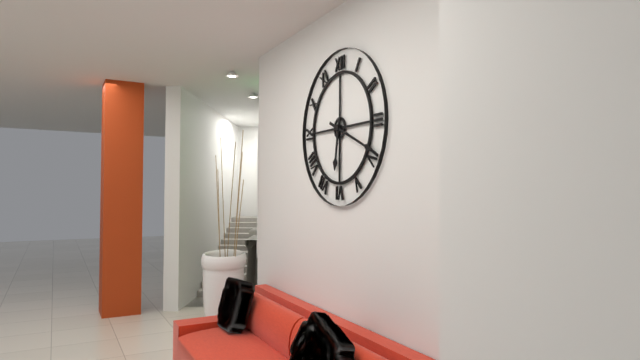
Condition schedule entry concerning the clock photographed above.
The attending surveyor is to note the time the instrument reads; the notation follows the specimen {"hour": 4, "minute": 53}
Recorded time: {"hour": 6, "minute": 19}
